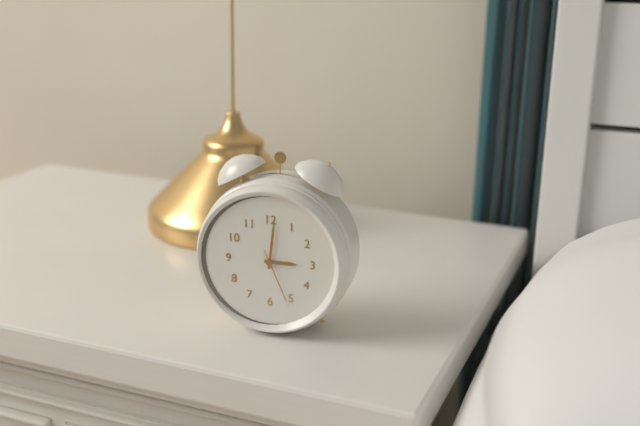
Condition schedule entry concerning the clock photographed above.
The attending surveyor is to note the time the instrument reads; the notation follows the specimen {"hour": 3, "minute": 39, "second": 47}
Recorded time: {"hour": 3, "minute": 1, "second": 26}
